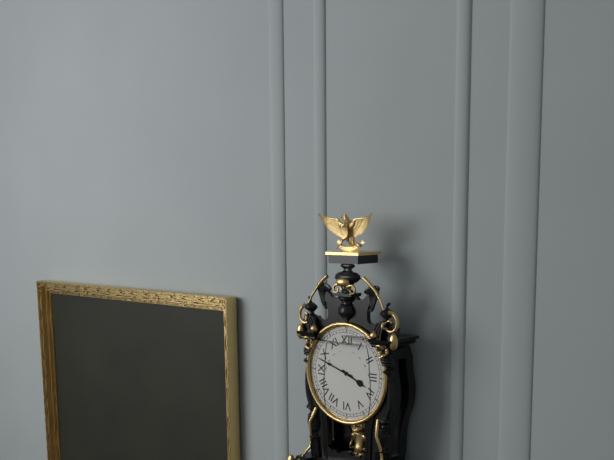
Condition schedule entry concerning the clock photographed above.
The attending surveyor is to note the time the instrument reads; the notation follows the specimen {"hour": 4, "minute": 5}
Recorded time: {"hour": 3, "minute": 48}
